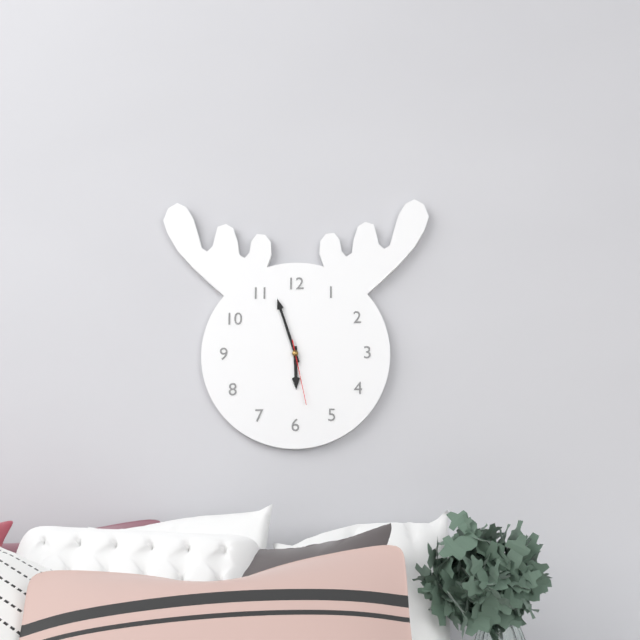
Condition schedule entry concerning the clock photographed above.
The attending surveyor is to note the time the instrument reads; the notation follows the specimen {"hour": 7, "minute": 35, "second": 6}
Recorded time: {"hour": 5, "minute": 57, "second": 28}
